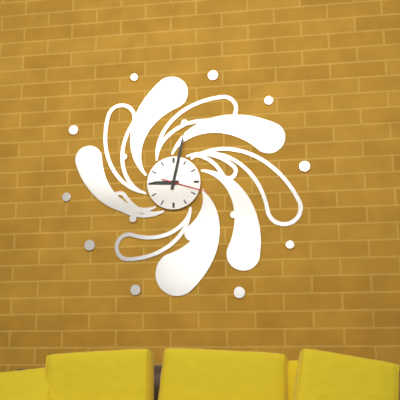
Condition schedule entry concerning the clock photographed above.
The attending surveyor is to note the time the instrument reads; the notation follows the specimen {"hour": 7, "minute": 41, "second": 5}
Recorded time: {"hour": 9, "minute": 2, "second": 18}
